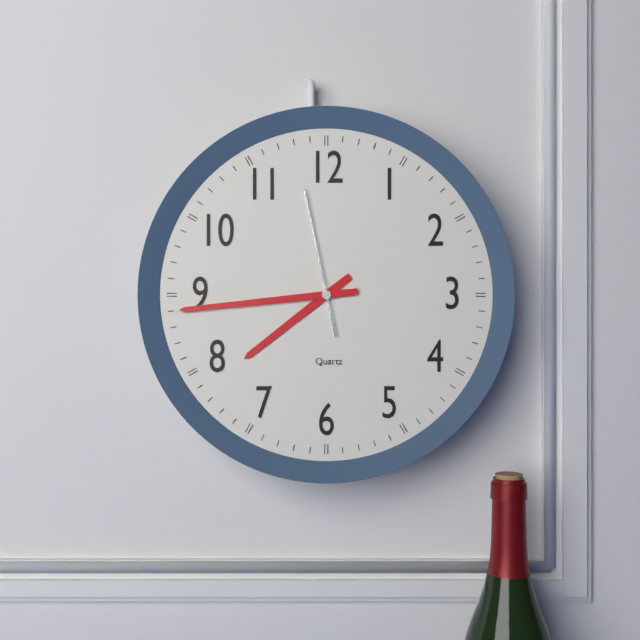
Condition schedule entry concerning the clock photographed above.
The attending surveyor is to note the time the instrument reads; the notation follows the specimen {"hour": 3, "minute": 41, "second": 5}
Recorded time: {"hour": 7, "minute": 44, "second": 58}
